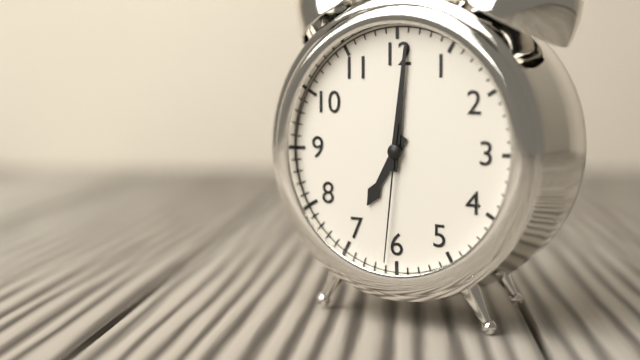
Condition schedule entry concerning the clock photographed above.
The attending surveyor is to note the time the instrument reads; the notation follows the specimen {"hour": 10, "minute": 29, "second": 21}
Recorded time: {"hour": 7, "minute": 1, "second": 31}
